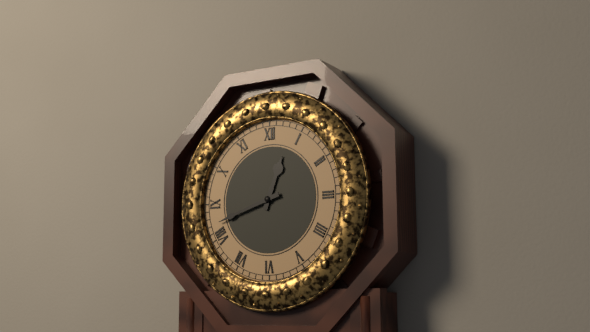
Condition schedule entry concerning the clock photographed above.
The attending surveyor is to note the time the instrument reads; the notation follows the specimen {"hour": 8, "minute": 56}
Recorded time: {"hour": 12, "minute": 42}
